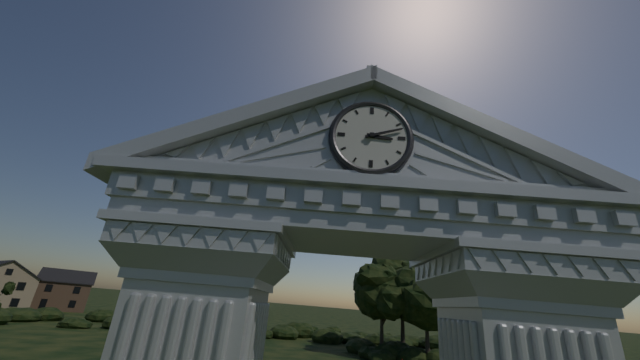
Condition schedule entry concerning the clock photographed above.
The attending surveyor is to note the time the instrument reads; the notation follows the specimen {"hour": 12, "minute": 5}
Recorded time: {"hour": 3, "minute": 12}
